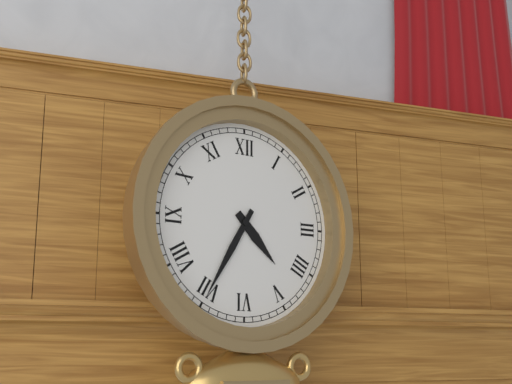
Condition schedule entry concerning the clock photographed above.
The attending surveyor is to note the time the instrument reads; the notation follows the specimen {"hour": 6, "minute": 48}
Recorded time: {"hour": 4, "minute": 35}
